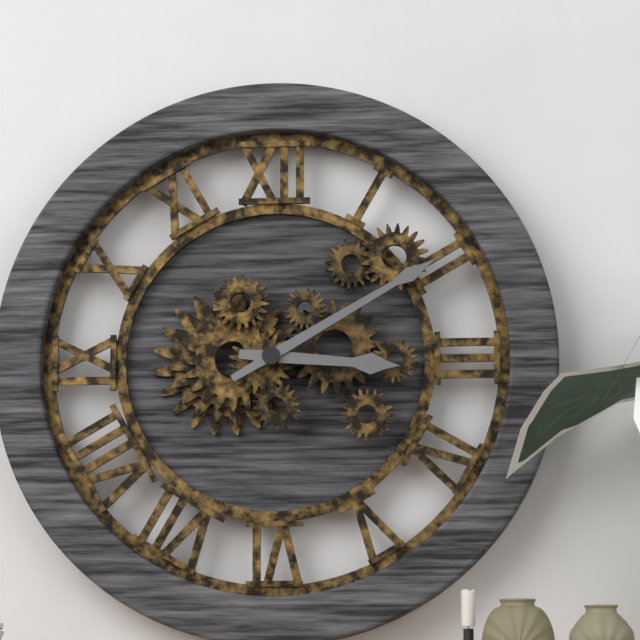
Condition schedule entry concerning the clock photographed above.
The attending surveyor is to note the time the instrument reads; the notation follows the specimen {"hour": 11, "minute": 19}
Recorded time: {"hour": 3, "minute": 10}
